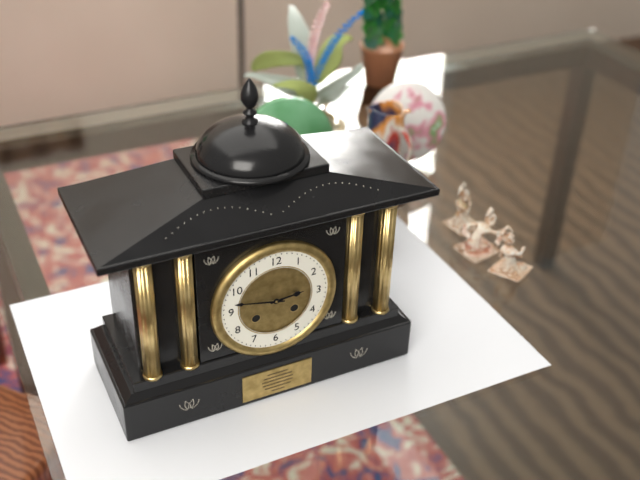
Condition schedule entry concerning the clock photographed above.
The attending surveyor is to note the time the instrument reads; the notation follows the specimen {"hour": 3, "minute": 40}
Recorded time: {"hour": 2, "minute": 47}
